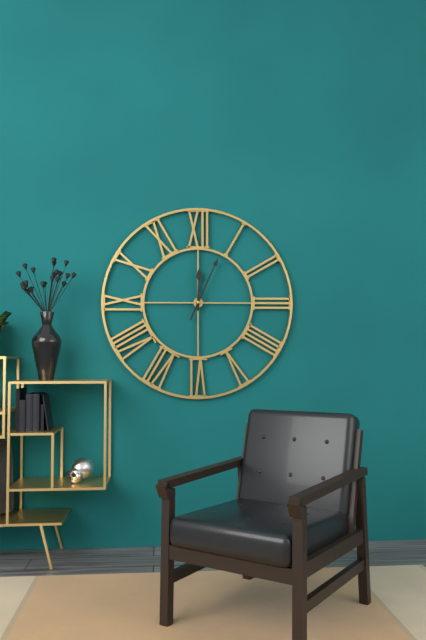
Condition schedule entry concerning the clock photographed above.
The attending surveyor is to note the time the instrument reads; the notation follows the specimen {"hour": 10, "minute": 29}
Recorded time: {"hour": 12, "minute": 4}
